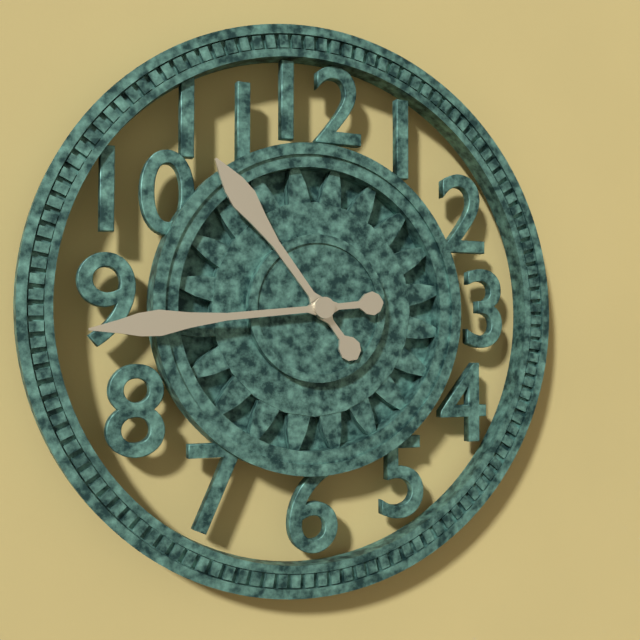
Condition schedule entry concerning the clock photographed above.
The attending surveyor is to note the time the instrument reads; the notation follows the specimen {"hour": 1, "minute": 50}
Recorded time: {"hour": 10, "minute": 44}
